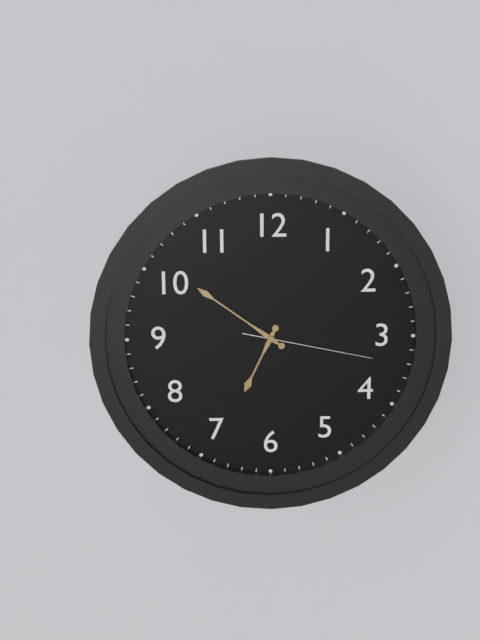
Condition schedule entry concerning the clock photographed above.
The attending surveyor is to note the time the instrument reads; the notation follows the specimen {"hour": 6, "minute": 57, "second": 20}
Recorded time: {"hour": 6, "minute": 51, "second": 17}
